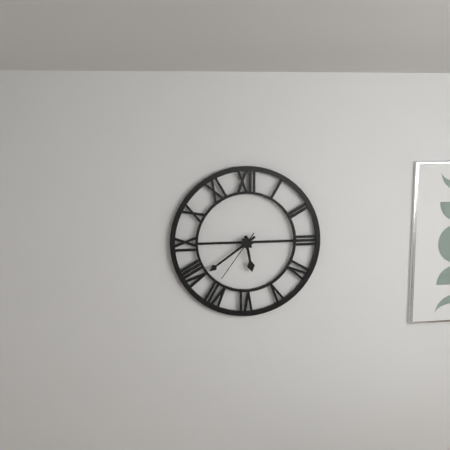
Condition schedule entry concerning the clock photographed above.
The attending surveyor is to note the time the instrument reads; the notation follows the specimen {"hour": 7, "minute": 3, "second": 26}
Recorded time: {"hour": 5, "minute": 39, "second": 36}
